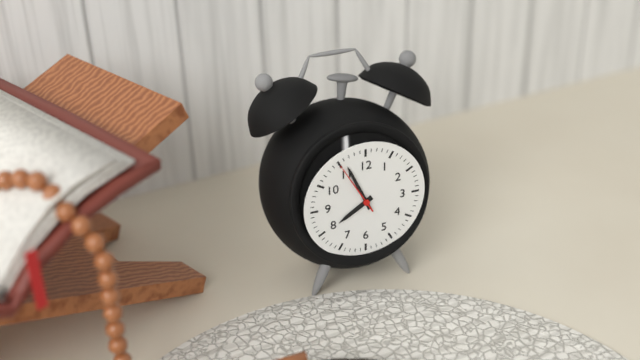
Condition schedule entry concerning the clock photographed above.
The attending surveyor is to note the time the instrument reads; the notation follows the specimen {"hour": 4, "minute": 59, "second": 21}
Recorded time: {"hour": 7, "minute": 56, "second": 55}
